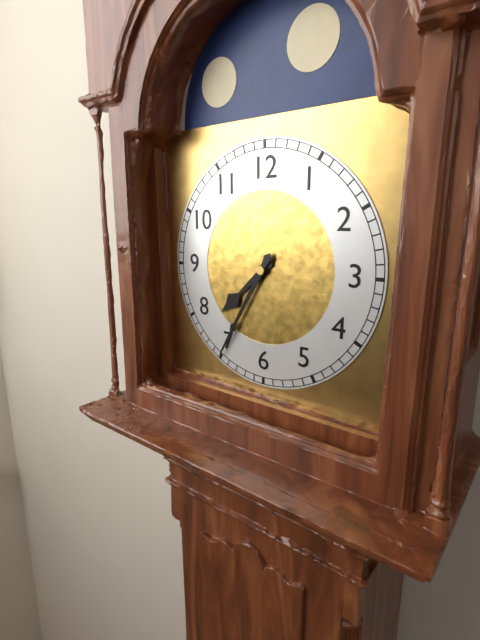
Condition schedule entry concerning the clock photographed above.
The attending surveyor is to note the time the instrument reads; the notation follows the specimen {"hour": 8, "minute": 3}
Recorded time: {"hour": 7, "minute": 35}
